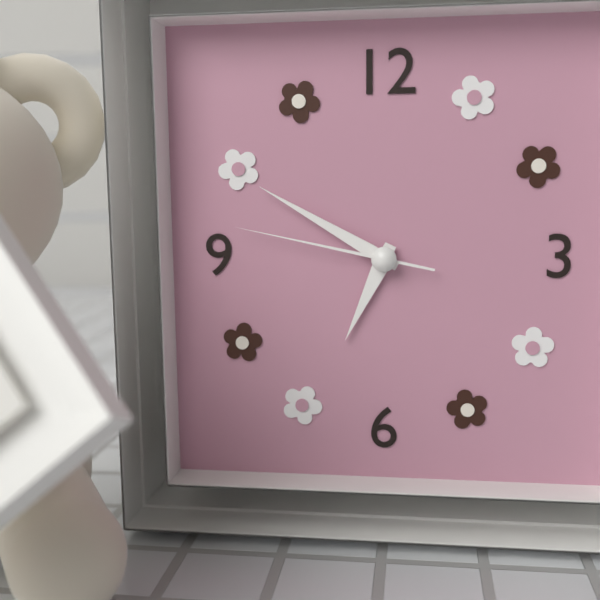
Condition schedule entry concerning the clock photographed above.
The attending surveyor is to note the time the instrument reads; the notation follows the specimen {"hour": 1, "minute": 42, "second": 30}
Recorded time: {"hour": 6, "minute": 50, "second": 47}
